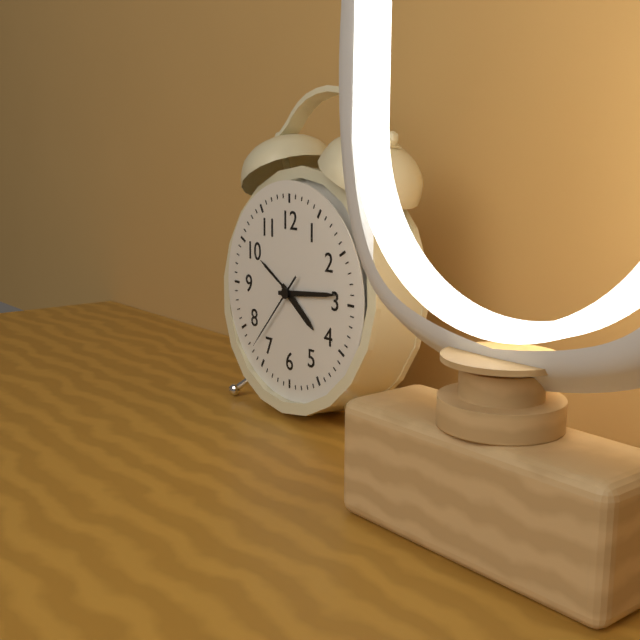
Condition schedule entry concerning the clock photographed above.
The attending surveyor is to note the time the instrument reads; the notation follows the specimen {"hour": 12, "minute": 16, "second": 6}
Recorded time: {"hour": 4, "minute": 14, "second": 37}
